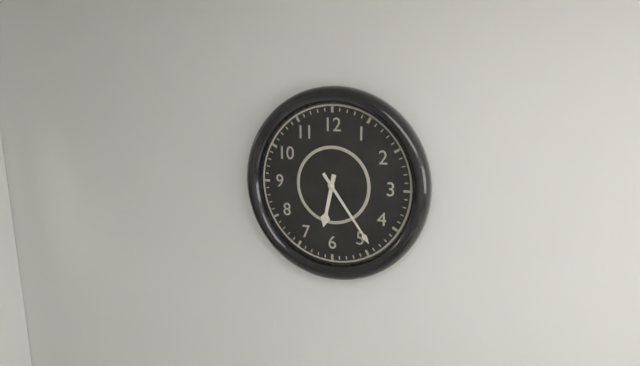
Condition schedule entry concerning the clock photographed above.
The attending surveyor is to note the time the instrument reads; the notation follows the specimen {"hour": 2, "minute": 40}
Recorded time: {"hour": 6, "minute": 24}
